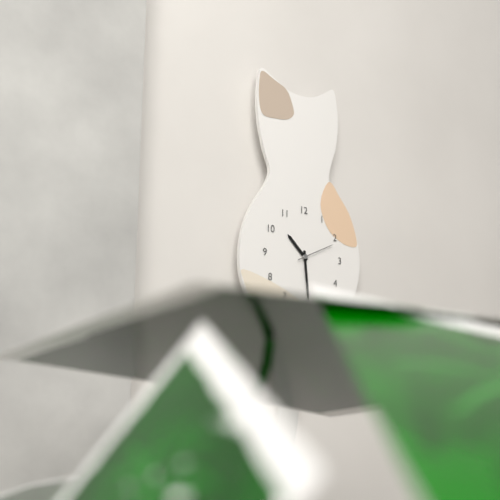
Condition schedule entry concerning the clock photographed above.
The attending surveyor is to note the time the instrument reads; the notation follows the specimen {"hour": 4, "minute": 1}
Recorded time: {"hour": 10, "minute": 29}
